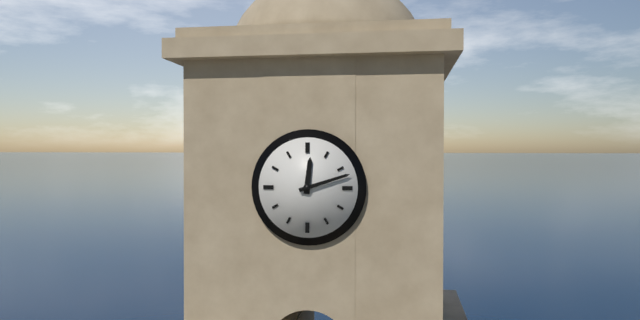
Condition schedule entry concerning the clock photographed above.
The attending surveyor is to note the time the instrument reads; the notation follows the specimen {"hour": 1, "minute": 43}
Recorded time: {"hour": 12, "minute": 12}
